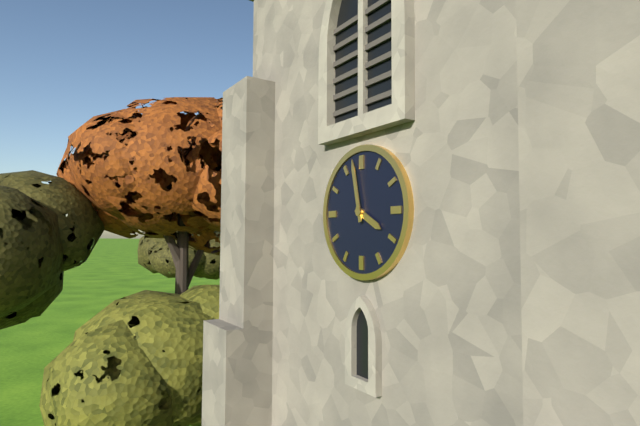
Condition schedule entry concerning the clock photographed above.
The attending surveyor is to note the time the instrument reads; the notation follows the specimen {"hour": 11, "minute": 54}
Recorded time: {"hour": 3, "minute": 58}
